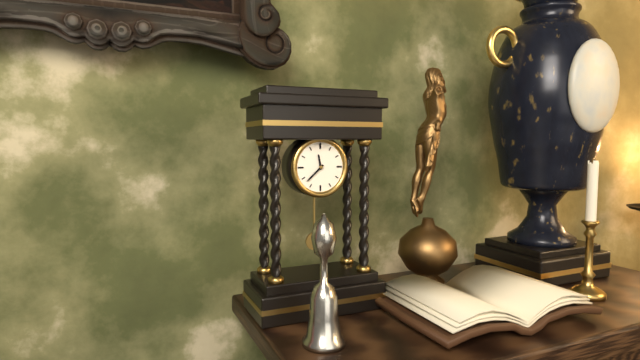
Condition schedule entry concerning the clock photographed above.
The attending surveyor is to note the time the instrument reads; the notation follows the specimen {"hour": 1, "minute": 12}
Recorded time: {"hour": 11, "minute": 38}
